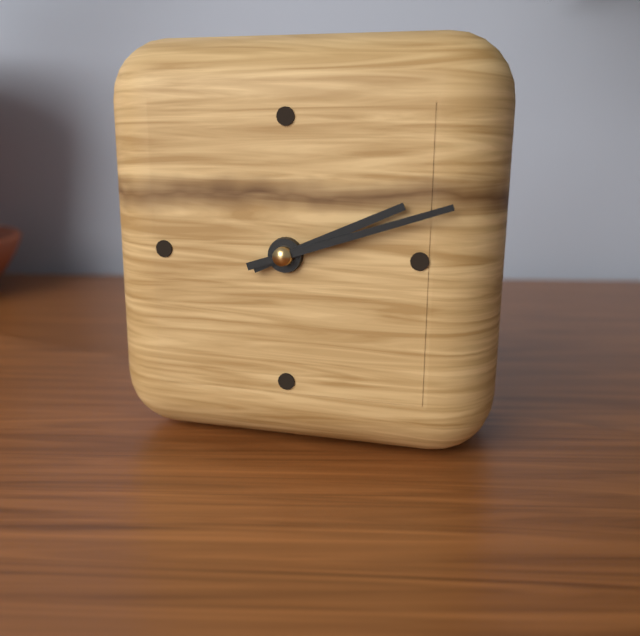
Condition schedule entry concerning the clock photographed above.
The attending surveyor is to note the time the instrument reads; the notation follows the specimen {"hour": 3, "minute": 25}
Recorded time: {"hour": 2, "minute": 12}
